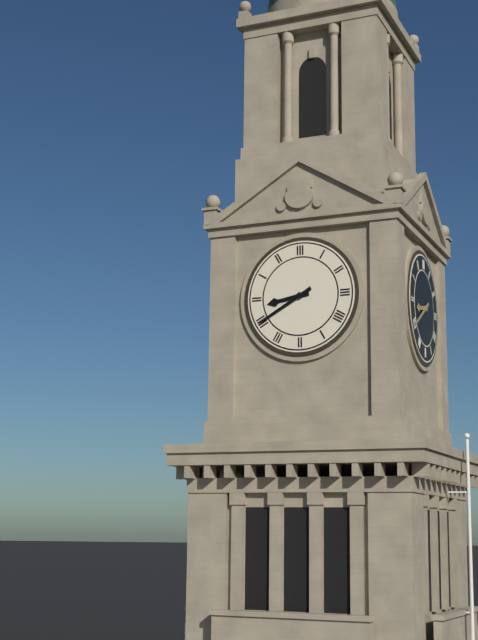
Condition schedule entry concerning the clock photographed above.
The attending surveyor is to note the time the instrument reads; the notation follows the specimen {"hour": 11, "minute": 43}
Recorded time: {"hour": 8, "minute": 40}
